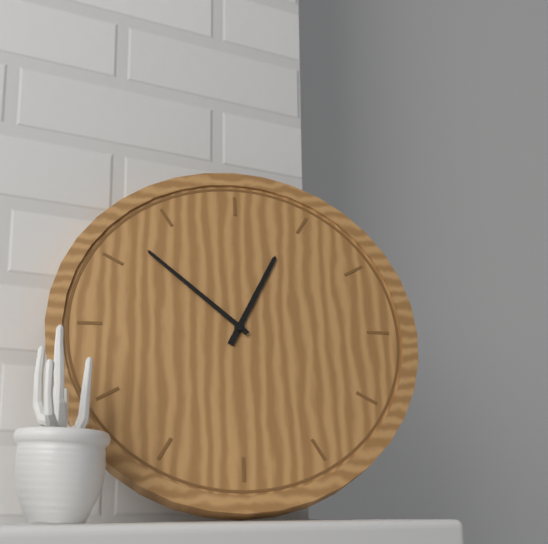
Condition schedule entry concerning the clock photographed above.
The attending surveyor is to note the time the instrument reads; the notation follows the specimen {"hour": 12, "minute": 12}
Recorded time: {"hour": 12, "minute": 52}
